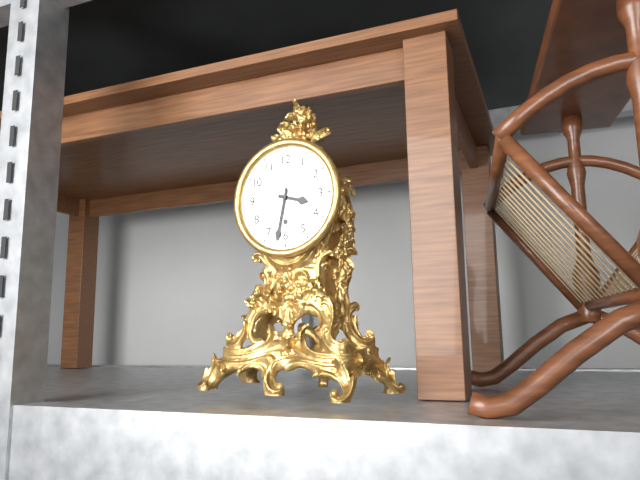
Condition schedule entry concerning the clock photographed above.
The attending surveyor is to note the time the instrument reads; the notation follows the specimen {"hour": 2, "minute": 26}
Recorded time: {"hour": 3, "minute": 32}
